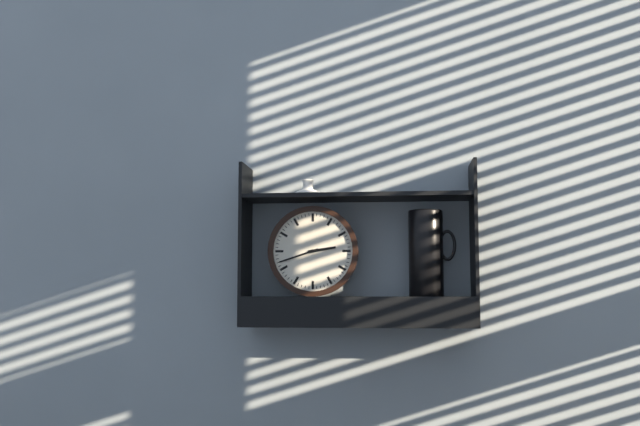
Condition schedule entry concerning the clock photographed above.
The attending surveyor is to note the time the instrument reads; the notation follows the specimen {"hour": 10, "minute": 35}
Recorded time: {"hour": 2, "minute": 42}
